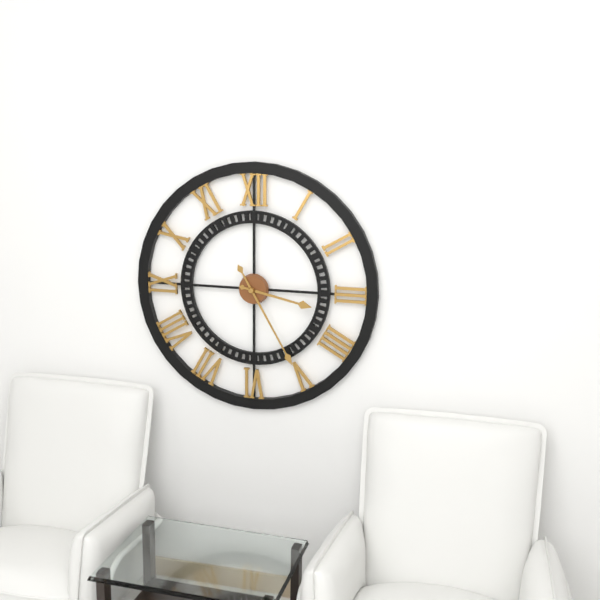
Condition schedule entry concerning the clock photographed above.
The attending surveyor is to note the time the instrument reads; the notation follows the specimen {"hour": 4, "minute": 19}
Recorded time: {"hour": 3, "minute": 25}
